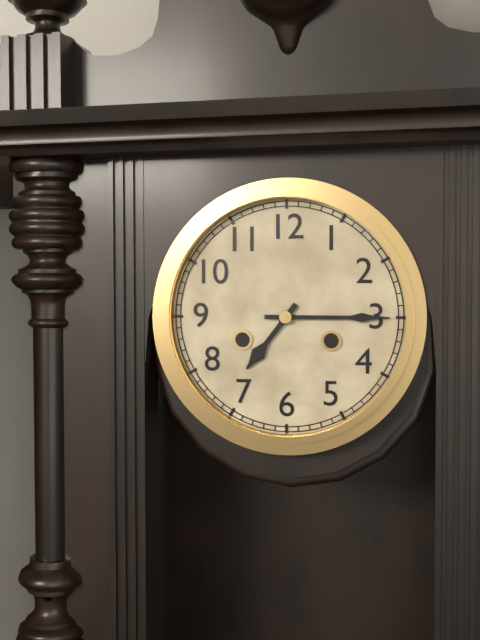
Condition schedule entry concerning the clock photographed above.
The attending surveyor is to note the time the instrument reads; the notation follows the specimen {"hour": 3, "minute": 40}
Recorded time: {"hour": 7, "minute": 15}
